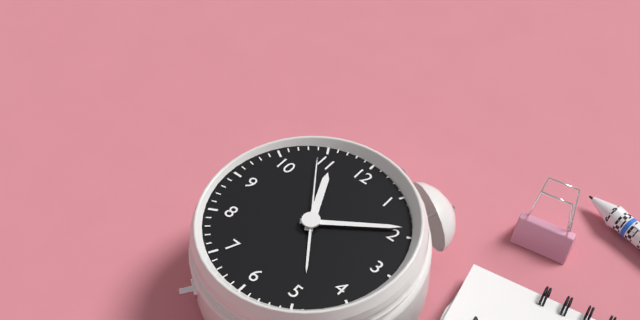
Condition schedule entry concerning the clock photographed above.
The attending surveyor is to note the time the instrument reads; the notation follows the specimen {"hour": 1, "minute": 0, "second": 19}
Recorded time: {"hour": 11, "minute": 9, "second": 54}
